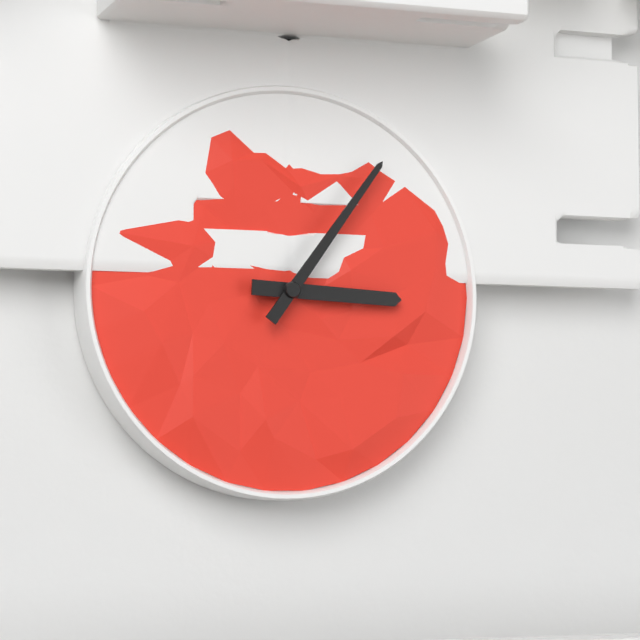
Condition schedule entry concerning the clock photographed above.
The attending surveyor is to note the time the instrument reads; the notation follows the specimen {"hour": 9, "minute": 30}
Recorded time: {"hour": 3, "minute": 6}
